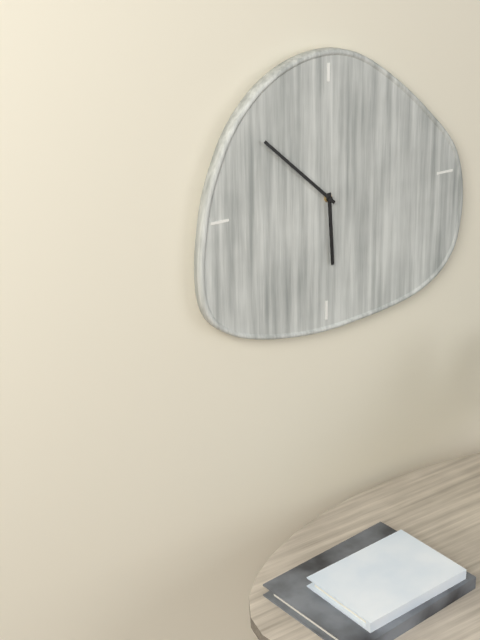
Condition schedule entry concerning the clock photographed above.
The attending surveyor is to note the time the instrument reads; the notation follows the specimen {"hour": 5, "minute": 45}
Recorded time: {"hour": 5, "minute": 52}
